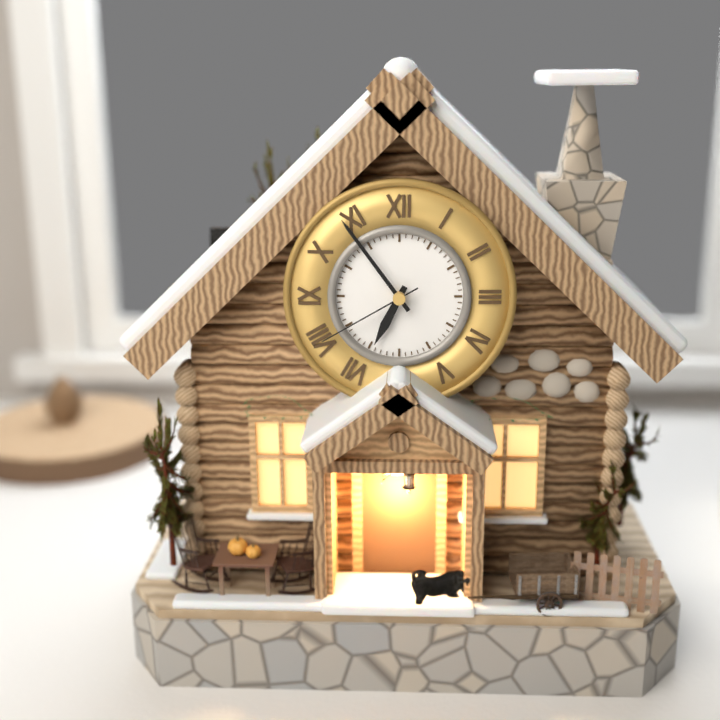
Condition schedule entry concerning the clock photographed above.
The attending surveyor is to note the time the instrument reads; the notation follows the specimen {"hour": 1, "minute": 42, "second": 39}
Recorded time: {"hour": 6, "minute": 54, "second": 40}
